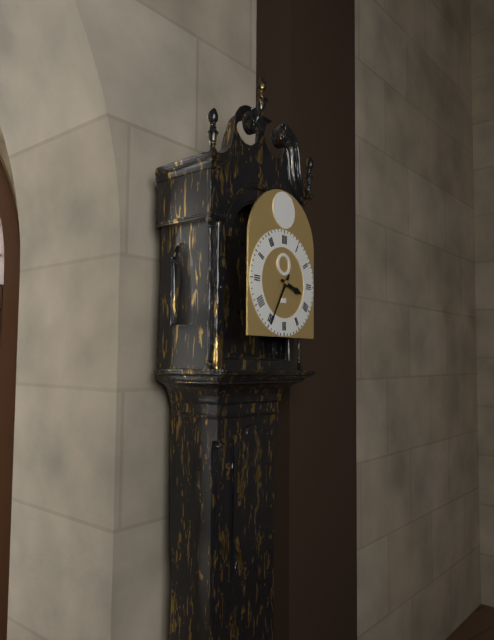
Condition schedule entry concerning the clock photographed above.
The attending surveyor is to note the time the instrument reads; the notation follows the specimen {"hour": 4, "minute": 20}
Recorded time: {"hour": 3, "minute": 35}
